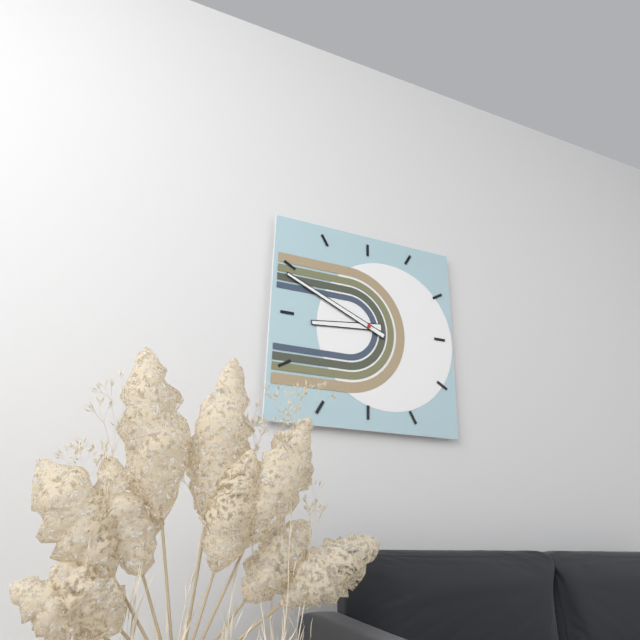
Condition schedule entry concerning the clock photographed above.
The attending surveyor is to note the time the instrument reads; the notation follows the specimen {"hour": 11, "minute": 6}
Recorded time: {"hour": 8, "minute": 49}
